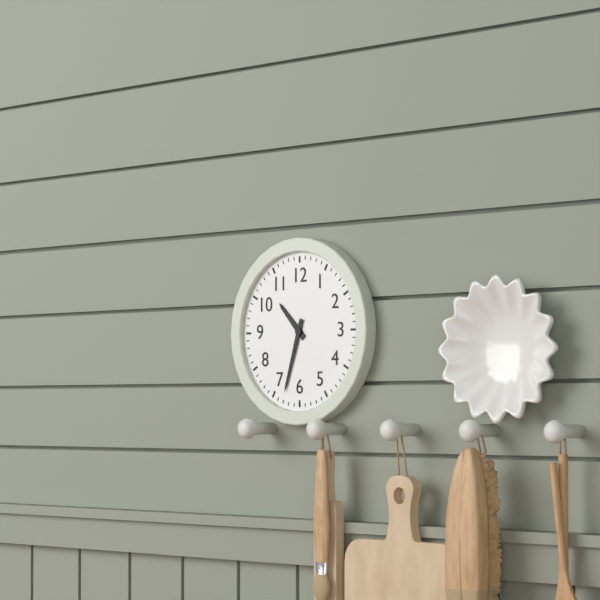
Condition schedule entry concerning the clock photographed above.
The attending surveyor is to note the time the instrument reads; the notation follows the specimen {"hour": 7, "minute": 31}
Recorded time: {"hour": 10, "minute": 33}
